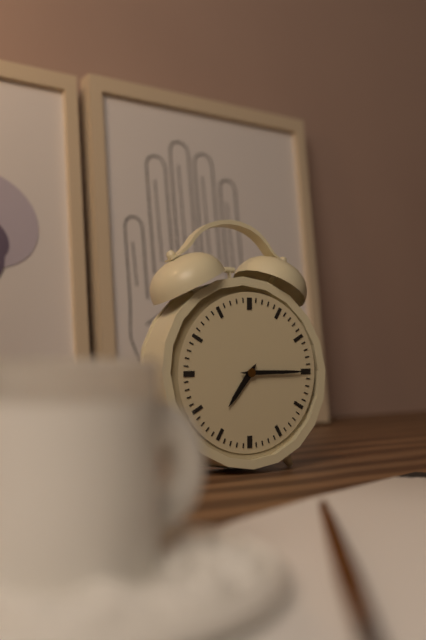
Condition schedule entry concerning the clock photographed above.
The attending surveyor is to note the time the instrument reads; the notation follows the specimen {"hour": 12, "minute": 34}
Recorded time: {"hour": 7, "minute": 15}
